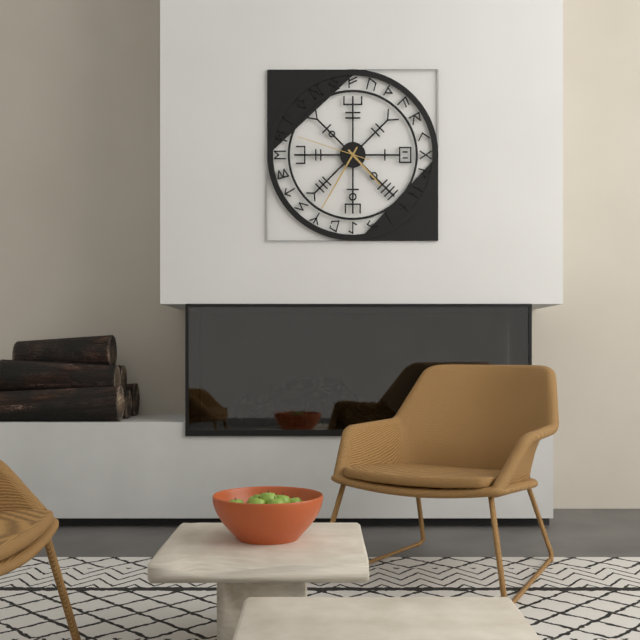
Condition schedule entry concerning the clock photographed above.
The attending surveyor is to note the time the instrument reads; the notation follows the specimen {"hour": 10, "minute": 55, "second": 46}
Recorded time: {"hour": 4, "minute": 35, "second": 48}
